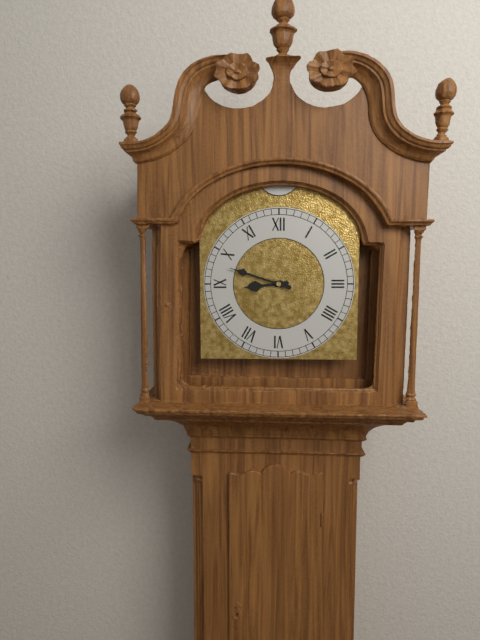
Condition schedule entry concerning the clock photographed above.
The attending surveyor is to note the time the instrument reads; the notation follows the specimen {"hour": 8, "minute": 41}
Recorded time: {"hour": 8, "minute": 48}
